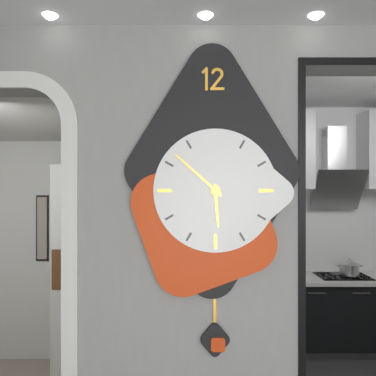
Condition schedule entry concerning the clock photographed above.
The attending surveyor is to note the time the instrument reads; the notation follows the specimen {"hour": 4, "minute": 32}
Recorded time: {"hour": 5, "minute": 52}
